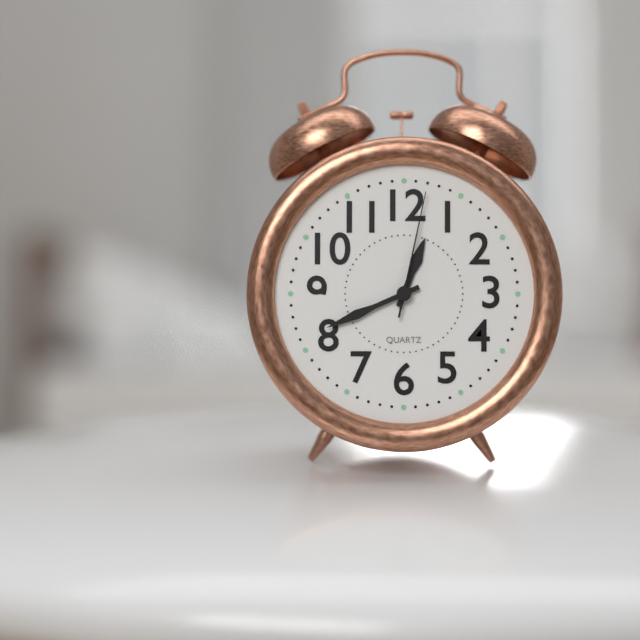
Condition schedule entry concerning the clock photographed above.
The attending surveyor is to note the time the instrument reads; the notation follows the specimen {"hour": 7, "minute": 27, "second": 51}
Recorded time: {"hour": 12, "minute": 41, "second": 2}
